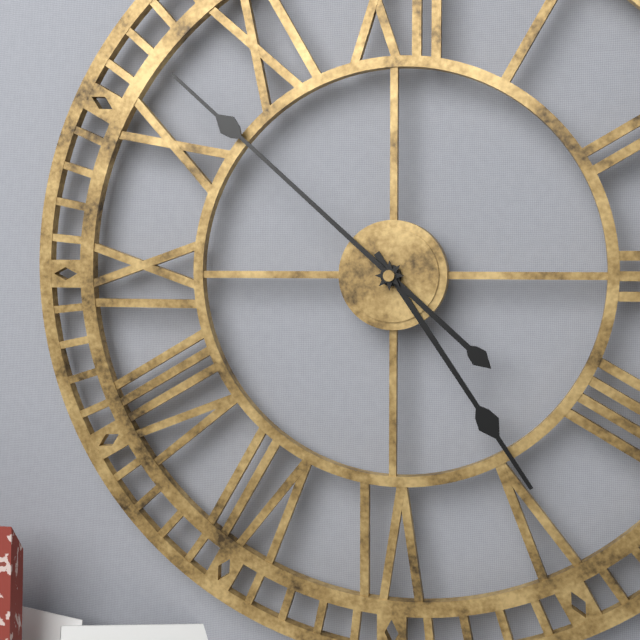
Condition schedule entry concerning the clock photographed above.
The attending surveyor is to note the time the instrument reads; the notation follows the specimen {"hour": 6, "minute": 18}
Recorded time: {"hour": 4, "minute": 52}
